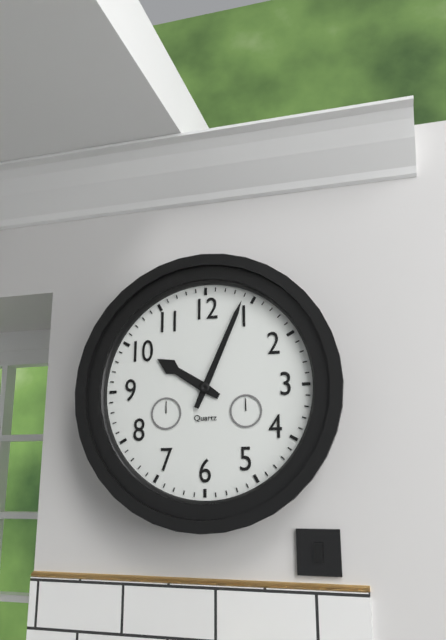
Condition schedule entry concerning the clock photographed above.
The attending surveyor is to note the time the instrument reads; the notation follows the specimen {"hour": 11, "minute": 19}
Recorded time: {"hour": 10, "minute": 4}
